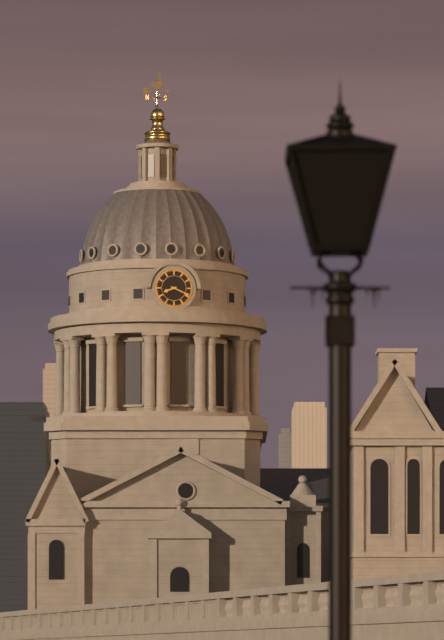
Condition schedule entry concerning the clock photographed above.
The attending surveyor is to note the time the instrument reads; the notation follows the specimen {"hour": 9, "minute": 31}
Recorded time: {"hour": 8, "minute": 19}
